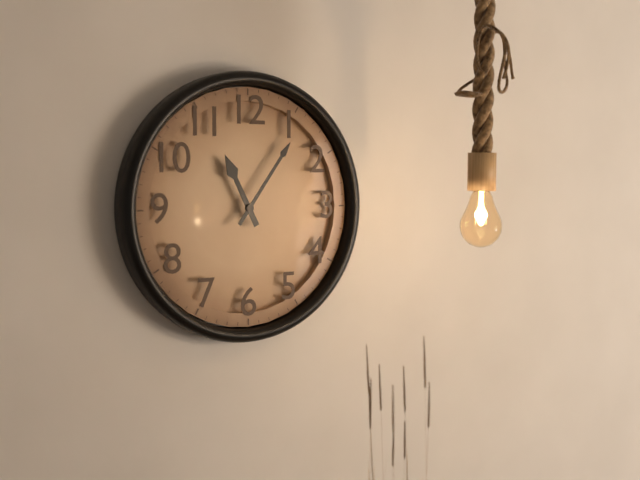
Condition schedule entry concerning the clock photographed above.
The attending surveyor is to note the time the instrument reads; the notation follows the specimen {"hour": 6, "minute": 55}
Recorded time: {"hour": 11, "minute": 6}
